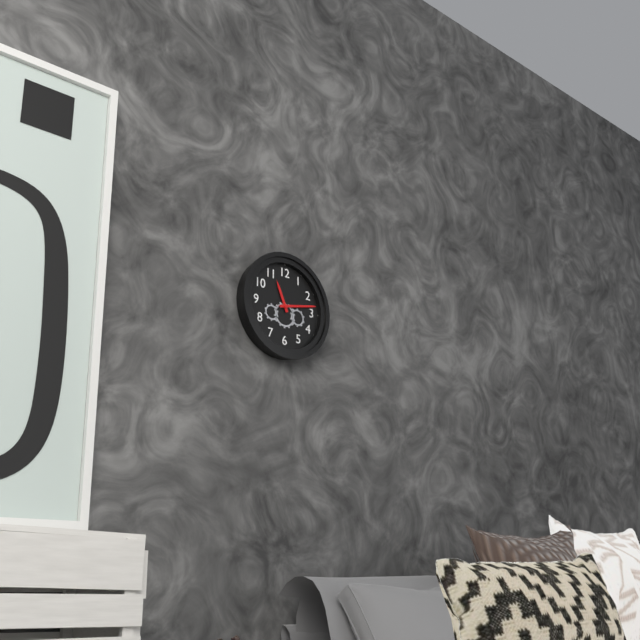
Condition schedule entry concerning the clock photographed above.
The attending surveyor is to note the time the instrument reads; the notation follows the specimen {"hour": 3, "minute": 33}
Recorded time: {"hour": 11, "minute": 13}
